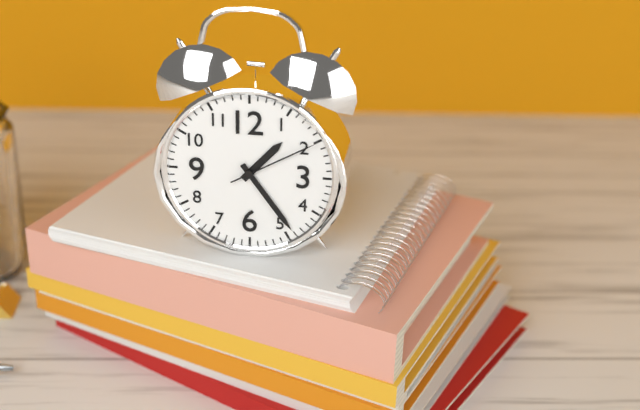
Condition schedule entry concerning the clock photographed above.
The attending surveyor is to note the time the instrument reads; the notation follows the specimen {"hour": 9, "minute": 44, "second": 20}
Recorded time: {"hour": 1, "minute": 24, "second": 10}
